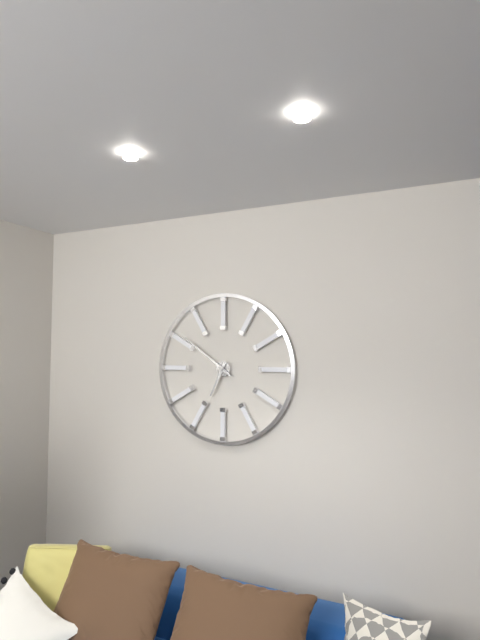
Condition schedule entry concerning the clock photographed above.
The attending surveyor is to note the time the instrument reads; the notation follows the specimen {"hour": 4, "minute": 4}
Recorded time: {"hour": 6, "minute": 51}
